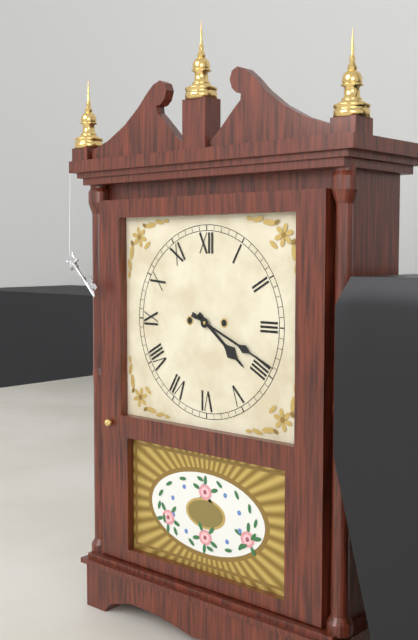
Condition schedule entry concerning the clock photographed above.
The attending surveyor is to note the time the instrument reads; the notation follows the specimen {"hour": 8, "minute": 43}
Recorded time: {"hour": 4, "minute": 19}
